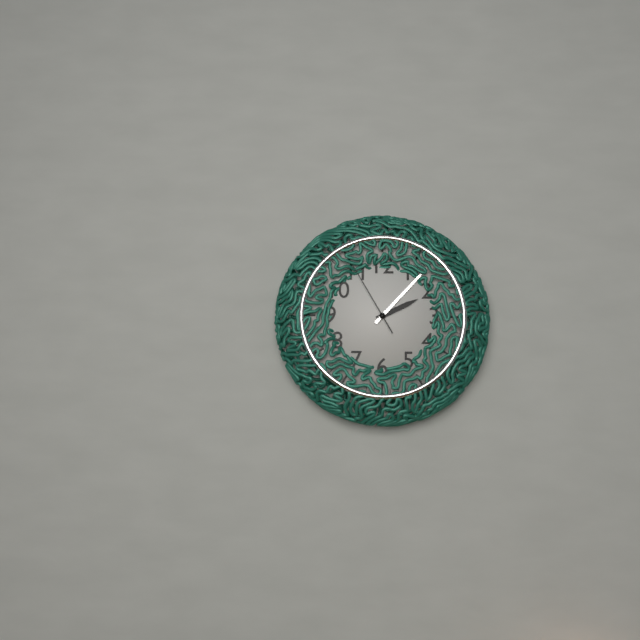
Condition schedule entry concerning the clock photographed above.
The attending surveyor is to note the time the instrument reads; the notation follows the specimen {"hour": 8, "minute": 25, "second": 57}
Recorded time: {"hour": 2, "minute": 7, "second": 55}
